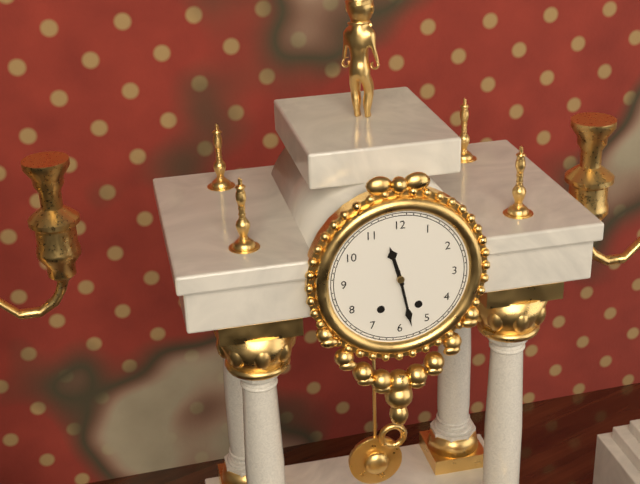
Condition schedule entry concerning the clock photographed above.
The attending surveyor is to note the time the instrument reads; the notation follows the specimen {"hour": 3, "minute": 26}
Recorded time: {"hour": 11, "minute": 28}
